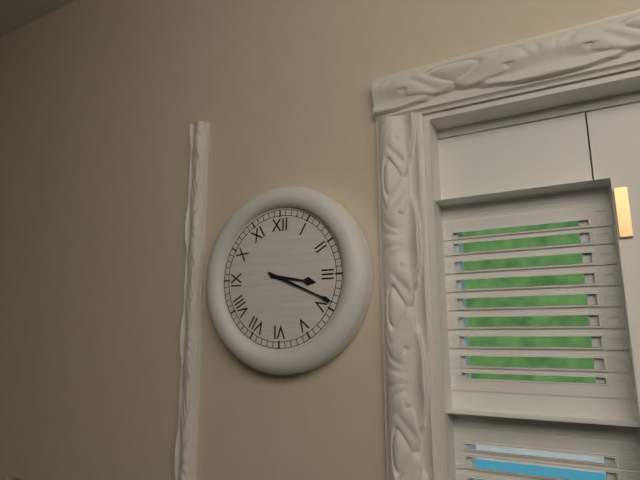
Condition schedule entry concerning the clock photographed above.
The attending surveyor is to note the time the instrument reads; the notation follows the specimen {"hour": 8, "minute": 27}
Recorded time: {"hour": 3, "minute": 19}
